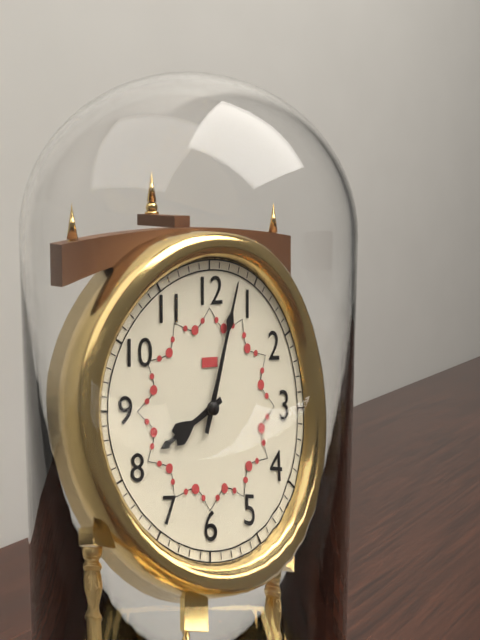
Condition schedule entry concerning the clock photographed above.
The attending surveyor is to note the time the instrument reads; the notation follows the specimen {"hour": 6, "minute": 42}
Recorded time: {"hour": 8, "minute": 3}
